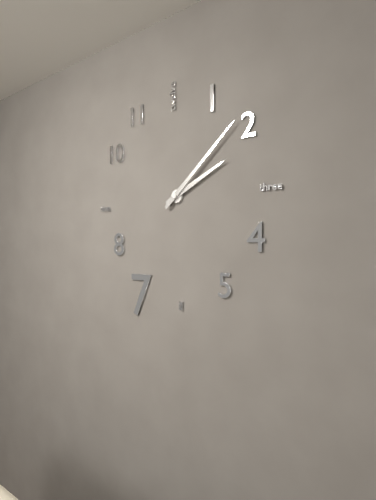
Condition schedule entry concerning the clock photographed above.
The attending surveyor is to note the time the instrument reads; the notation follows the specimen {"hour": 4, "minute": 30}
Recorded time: {"hour": 2, "minute": 8}
